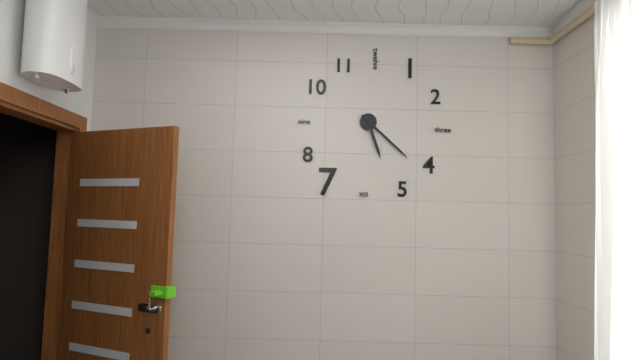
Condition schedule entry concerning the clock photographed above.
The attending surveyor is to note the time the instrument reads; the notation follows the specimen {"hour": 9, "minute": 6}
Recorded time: {"hour": 5, "minute": 22}
